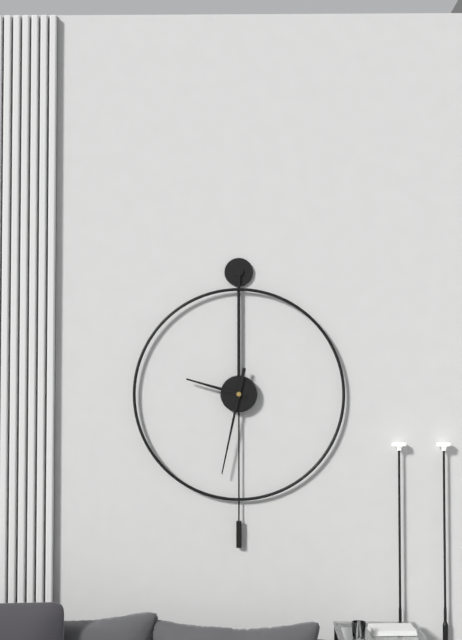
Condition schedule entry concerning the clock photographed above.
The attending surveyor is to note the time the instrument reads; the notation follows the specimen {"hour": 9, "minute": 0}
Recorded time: {"hour": 9, "minute": 32}
